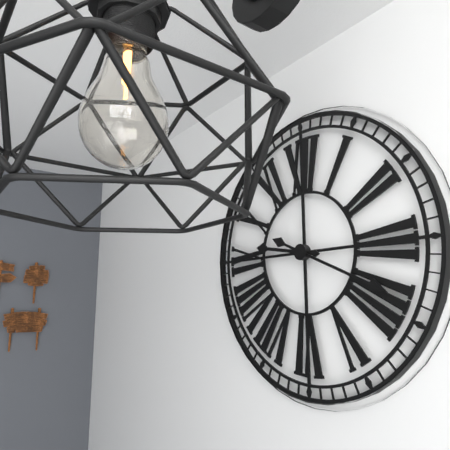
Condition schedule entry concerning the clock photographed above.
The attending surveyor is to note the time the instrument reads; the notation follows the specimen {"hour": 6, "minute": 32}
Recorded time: {"hour": 9, "minute": 19}
